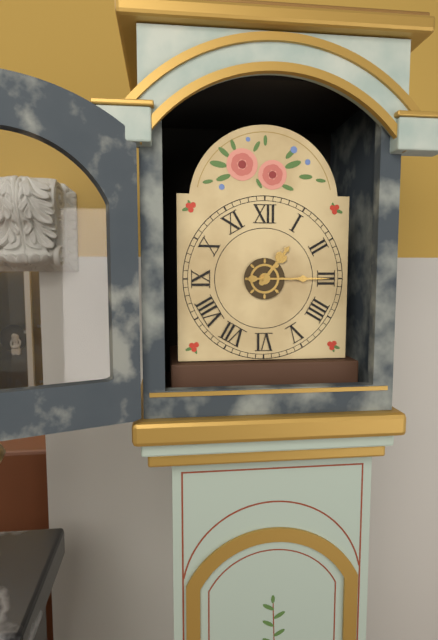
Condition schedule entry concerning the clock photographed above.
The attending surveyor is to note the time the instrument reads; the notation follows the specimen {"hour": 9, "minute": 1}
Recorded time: {"hour": 1, "minute": 15}
